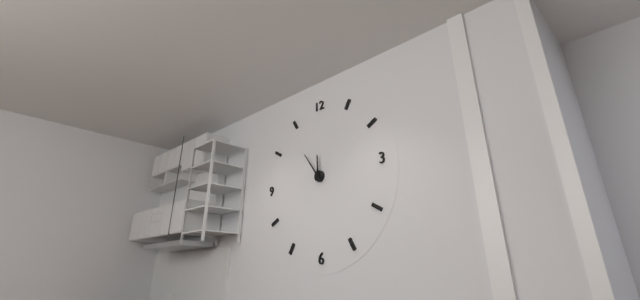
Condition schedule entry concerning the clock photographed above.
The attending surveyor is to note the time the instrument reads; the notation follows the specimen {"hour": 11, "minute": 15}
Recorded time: {"hour": 11, "minute": 54}
